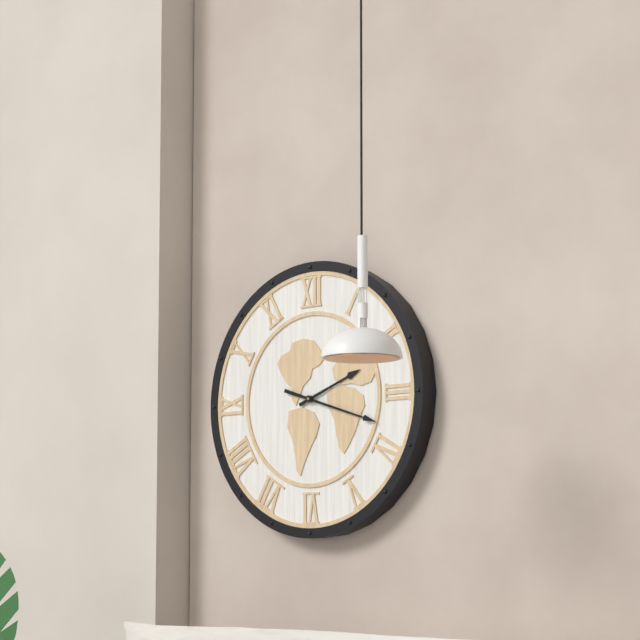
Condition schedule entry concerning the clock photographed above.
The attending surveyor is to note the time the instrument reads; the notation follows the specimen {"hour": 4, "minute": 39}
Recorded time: {"hour": 2, "minute": 18}
